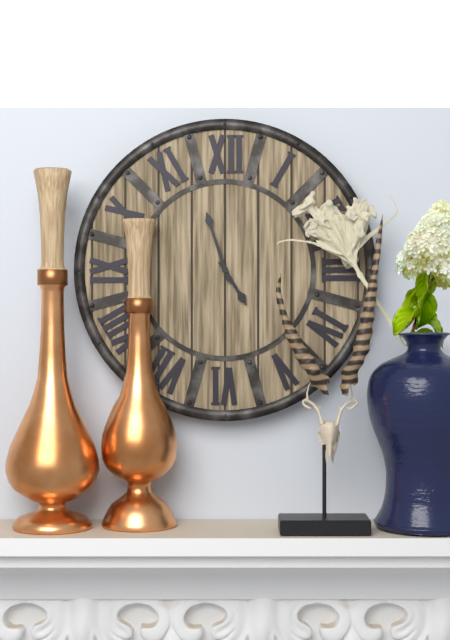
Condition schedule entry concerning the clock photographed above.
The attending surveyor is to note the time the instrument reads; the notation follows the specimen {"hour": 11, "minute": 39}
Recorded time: {"hour": 4, "minute": 57}
